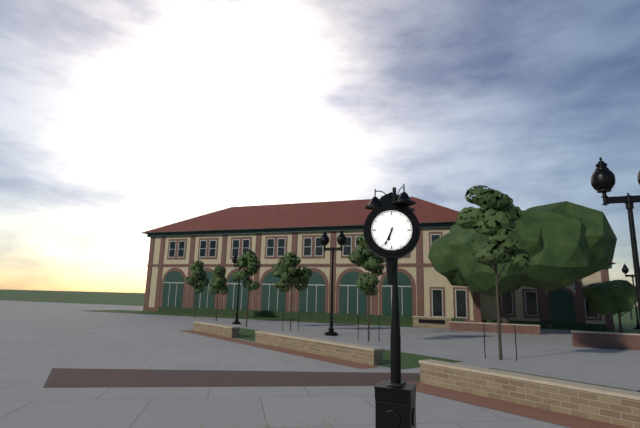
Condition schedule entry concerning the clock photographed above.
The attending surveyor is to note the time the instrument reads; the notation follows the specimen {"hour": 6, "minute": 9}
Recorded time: {"hour": 6, "minute": 34}
